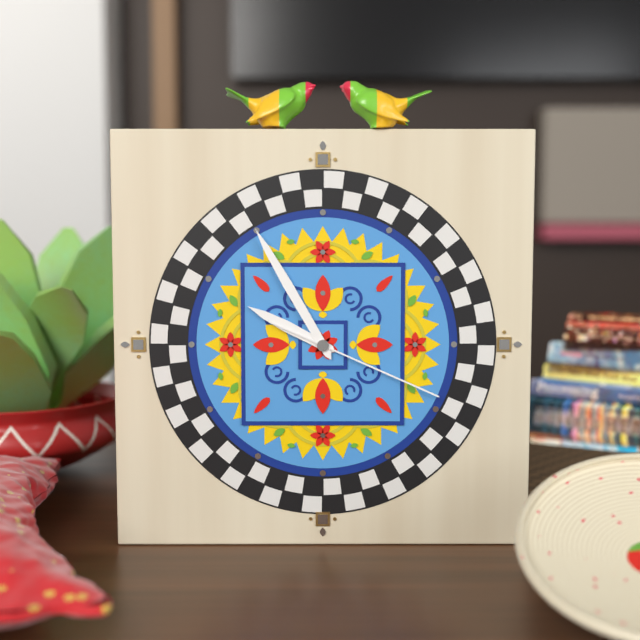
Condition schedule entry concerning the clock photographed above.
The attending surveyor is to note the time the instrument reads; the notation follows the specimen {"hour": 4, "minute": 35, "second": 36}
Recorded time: {"hour": 9, "minute": 55, "second": 19}
